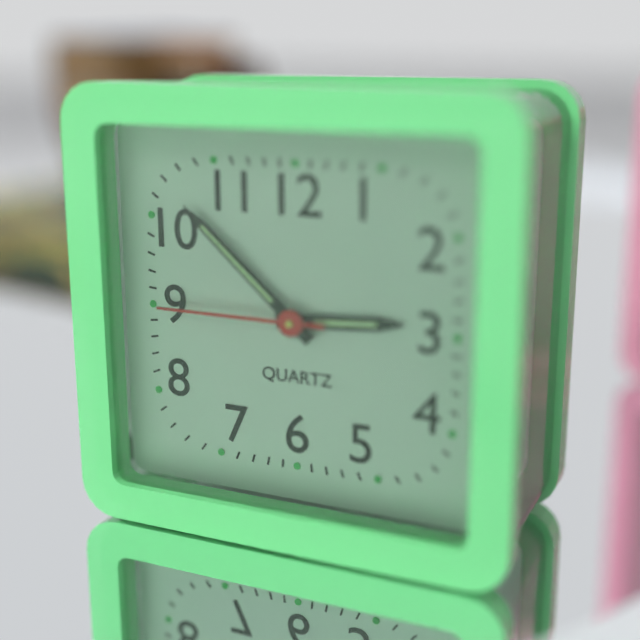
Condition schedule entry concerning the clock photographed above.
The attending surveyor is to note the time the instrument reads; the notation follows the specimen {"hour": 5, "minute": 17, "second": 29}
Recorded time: {"hour": 2, "minute": 52, "second": 45}
